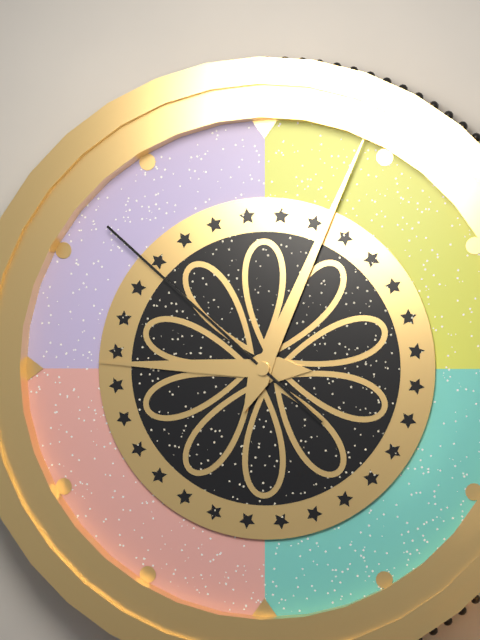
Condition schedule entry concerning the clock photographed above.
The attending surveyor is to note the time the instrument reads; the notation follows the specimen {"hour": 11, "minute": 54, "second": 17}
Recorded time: {"hour": 9, "minute": 4, "second": 52}
